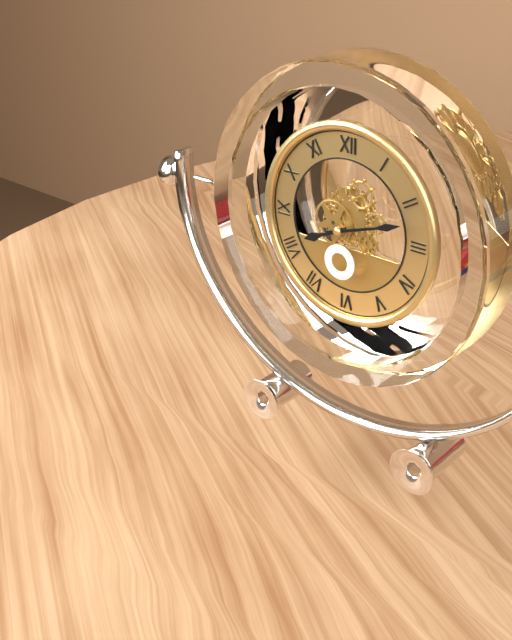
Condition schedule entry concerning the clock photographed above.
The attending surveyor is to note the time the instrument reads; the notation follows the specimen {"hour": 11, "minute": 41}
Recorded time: {"hour": 8, "minute": 12}
